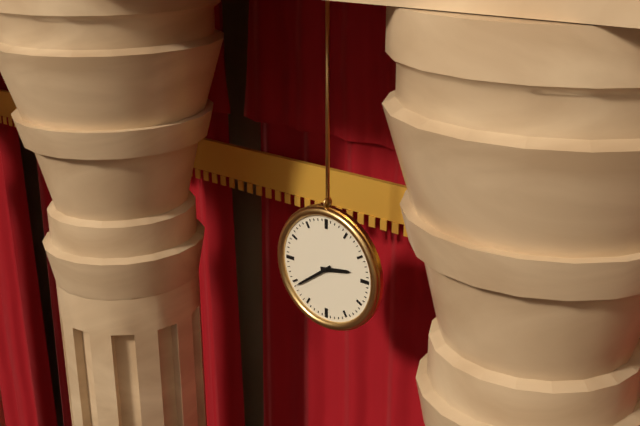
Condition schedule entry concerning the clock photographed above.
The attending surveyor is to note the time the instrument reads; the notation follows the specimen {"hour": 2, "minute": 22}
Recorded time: {"hour": 2, "minute": 39}
